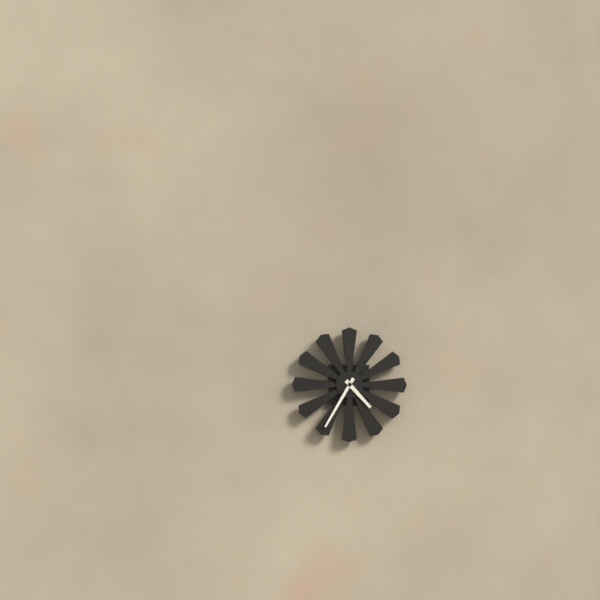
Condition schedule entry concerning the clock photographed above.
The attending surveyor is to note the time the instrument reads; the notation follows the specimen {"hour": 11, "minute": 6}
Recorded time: {"hour": 4, "minute": 35}
